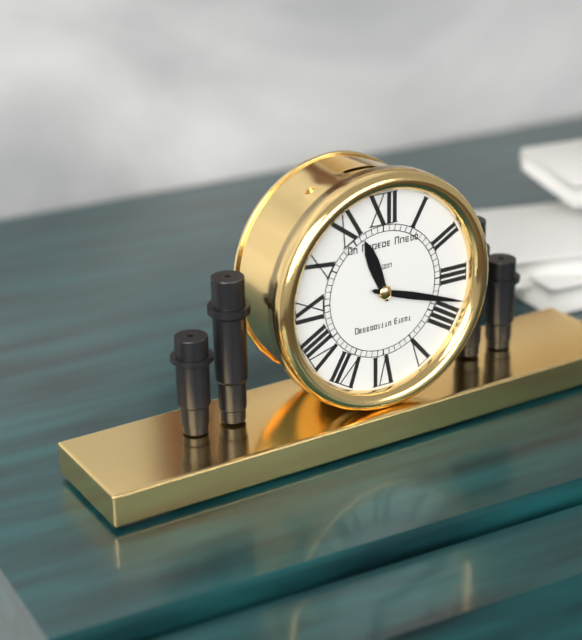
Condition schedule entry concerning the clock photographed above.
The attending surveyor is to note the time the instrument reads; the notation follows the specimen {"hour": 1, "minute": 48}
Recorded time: {"hour": 11, "minute": 18}
